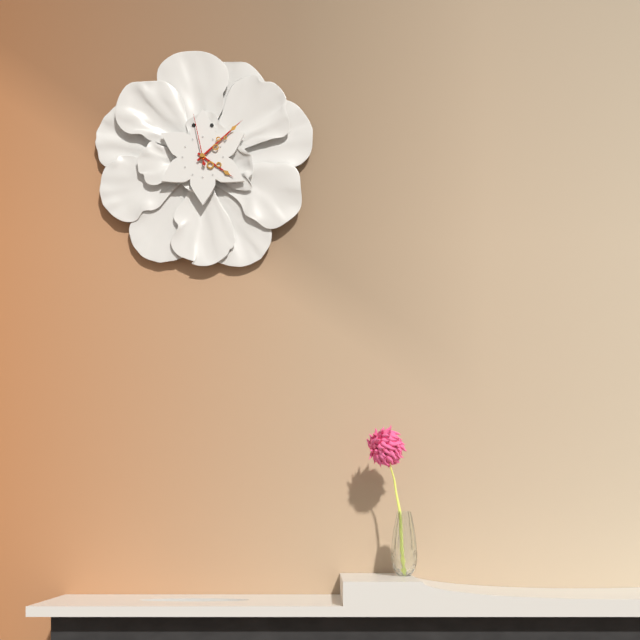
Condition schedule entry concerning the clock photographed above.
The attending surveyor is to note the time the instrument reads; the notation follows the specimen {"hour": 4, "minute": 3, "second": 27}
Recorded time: {"hour": 4, "minute": 8, "second": 58}
